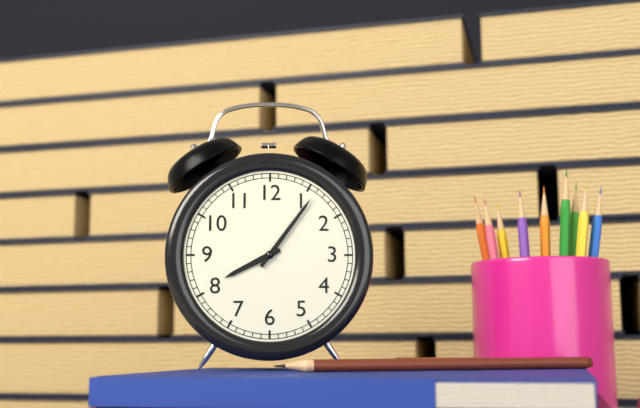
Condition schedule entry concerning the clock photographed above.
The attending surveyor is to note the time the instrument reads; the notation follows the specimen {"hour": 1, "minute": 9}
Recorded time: {"hour": 8, "minute": 6}
